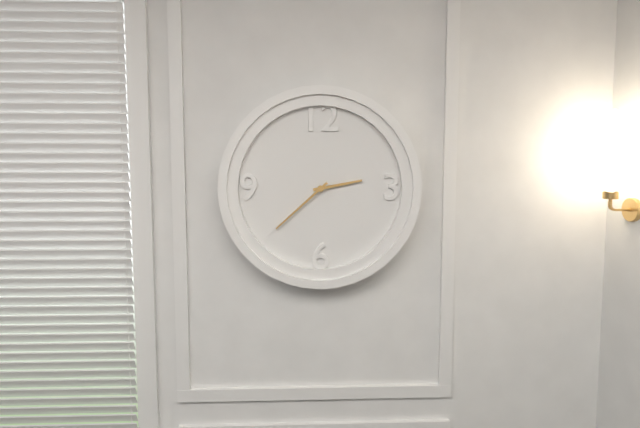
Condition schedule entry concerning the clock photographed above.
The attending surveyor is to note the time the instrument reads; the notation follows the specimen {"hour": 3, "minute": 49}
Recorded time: {"hour": 2, "minute": 38}
